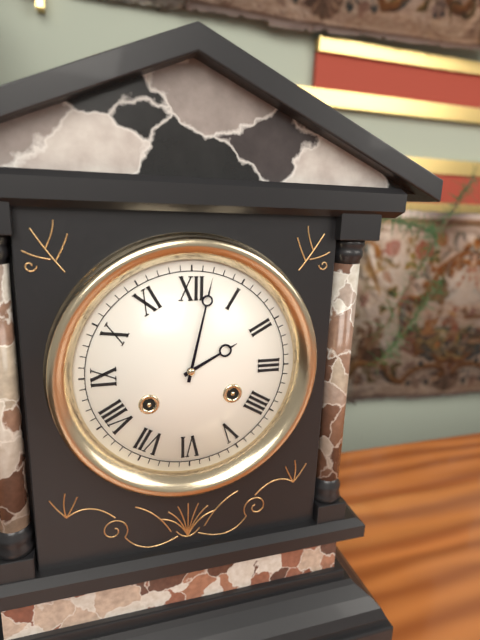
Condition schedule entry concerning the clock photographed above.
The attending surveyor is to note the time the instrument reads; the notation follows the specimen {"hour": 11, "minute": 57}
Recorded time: {"hour": 2, "minute": 2}
